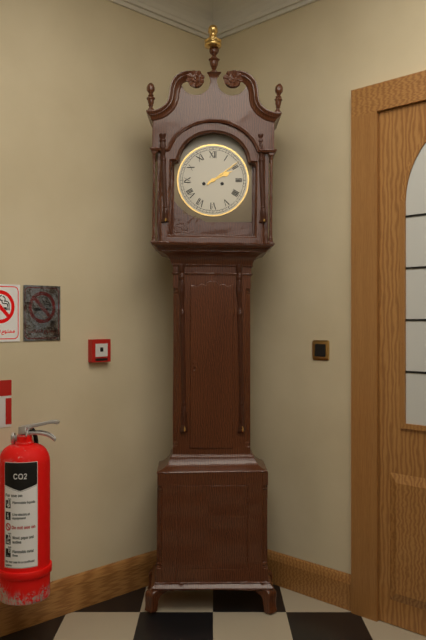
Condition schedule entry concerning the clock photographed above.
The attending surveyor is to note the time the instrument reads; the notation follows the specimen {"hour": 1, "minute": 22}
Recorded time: {"hour": 2, "minute": 9}
